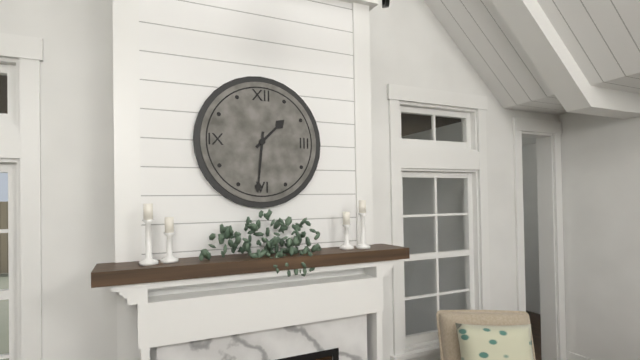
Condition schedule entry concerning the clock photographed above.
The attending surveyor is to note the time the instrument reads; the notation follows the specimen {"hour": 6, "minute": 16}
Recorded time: {"hour": 1, "minute": 31}
